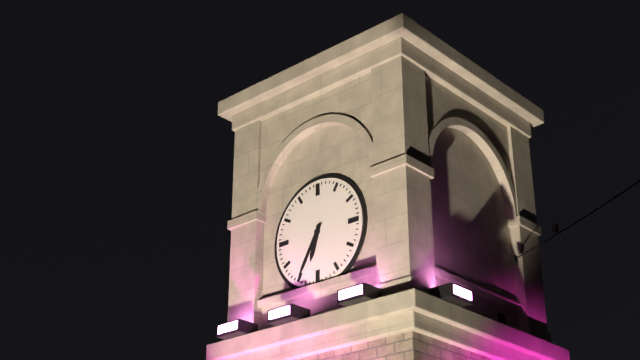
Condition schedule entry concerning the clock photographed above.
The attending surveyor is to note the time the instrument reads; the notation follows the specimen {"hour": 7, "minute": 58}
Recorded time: {"hour": 6, "minute": 35}
